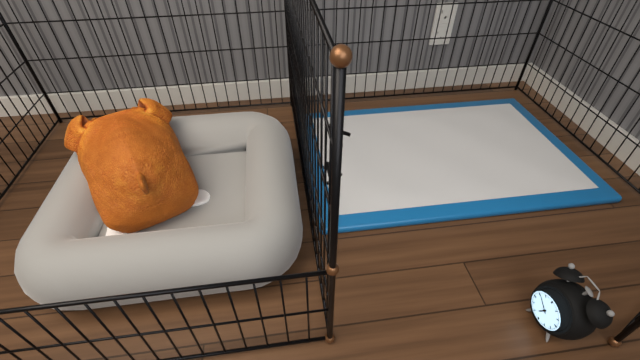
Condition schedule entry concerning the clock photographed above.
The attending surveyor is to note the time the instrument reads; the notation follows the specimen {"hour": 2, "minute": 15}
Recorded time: {"hour": 6, "minute": 51}
